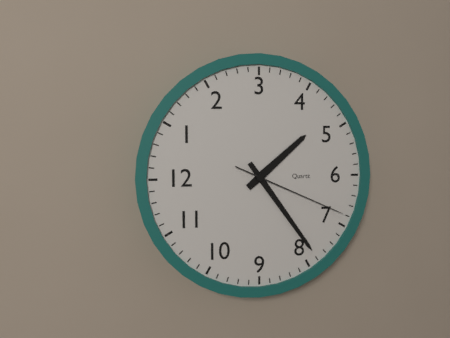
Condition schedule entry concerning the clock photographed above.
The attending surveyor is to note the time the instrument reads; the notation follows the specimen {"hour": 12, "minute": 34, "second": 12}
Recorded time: {"hour": 4, "minute": 39, "second": 34}
